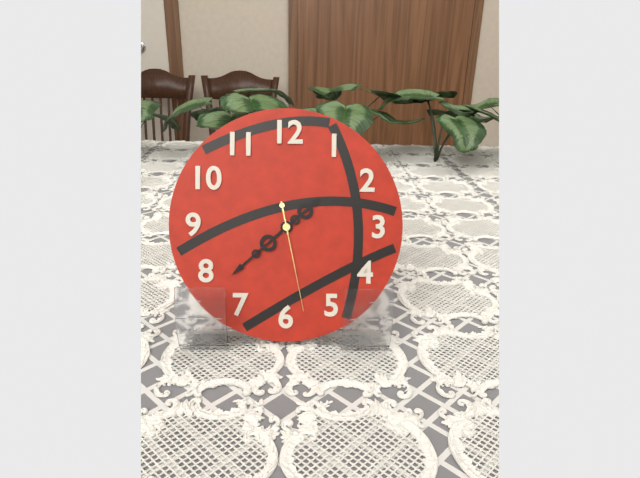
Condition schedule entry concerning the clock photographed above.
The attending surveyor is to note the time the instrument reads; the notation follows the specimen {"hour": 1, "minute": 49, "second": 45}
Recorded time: {"hour": 1, "minute": 38, "second": 28}
